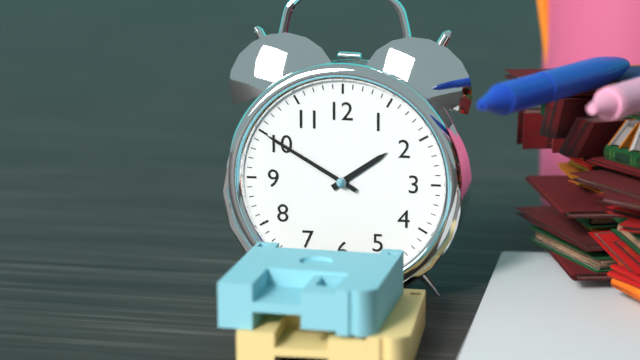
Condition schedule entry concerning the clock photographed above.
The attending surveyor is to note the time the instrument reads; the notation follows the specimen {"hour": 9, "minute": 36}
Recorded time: {"hour": 1, "minute": 50}
